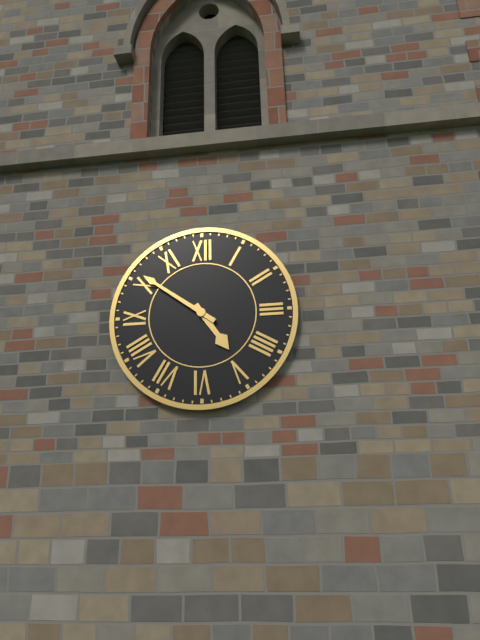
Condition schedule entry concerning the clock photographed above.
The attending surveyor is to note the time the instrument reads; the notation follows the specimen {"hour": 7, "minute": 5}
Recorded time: {"hour": 4, "minute": 51}
